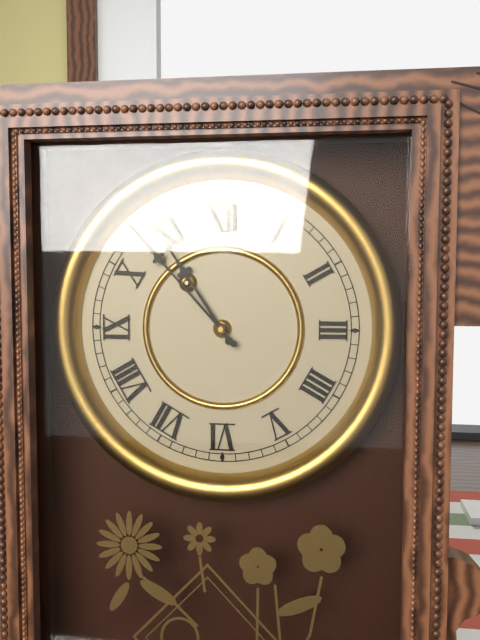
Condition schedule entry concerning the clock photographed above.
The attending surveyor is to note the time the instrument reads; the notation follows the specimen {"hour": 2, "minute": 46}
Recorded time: {"hour": 10, "minute": 53}
